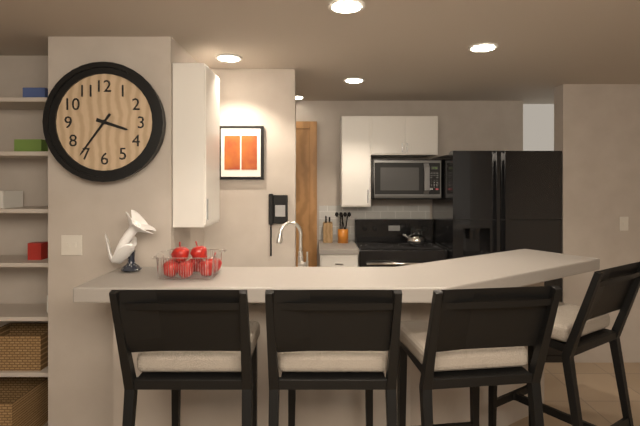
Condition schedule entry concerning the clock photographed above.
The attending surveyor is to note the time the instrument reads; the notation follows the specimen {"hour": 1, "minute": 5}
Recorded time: {"hour": 3, "minute": 36}
